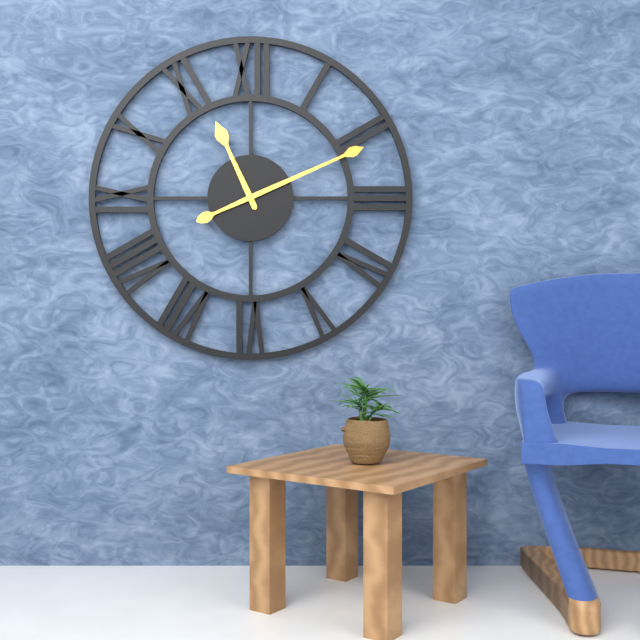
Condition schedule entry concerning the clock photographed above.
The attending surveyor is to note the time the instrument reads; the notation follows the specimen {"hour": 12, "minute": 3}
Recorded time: {"hour": 11, "minute": 11}
